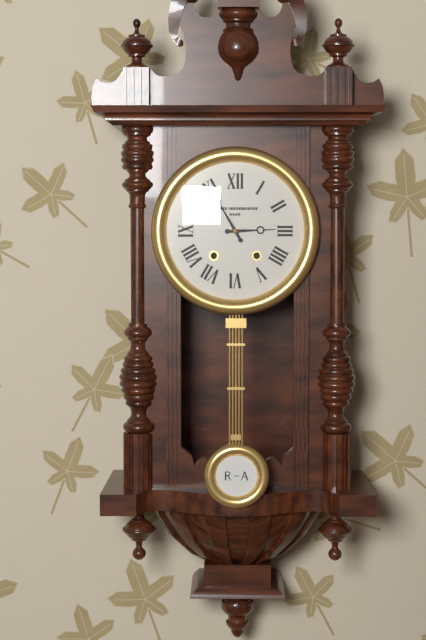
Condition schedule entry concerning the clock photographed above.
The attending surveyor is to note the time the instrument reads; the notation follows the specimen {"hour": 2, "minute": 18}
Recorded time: {"hour": 2, "minute": 55}
